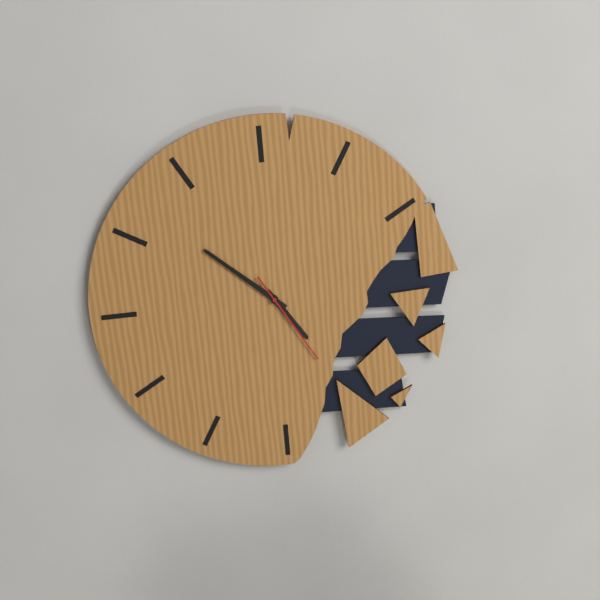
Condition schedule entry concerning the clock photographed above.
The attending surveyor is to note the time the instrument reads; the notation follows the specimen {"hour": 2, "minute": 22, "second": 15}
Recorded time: {"hour": 4, "minute": 52, "second": 25}
